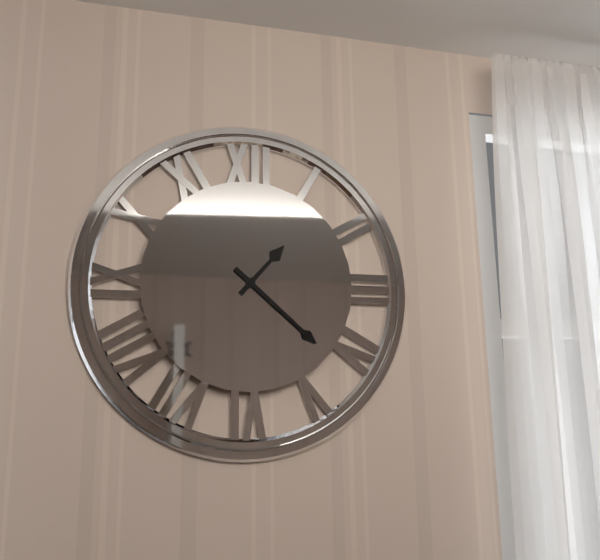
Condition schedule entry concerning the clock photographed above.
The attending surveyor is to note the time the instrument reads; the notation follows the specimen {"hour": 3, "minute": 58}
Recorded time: {"hour": 1, "minute": 22}
